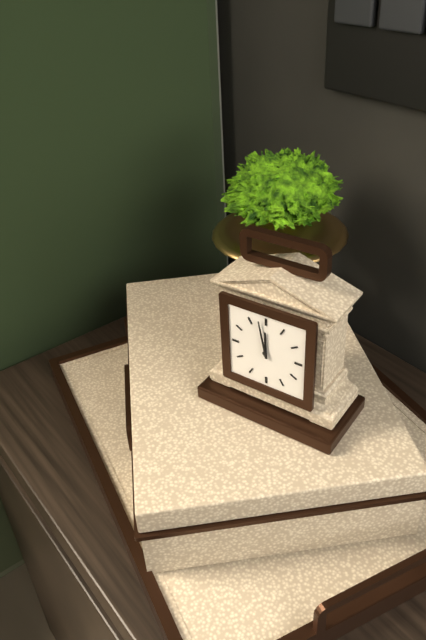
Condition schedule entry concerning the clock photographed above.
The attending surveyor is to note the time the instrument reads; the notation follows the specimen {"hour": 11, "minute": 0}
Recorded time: {"hour": 11, "minute": 58}
